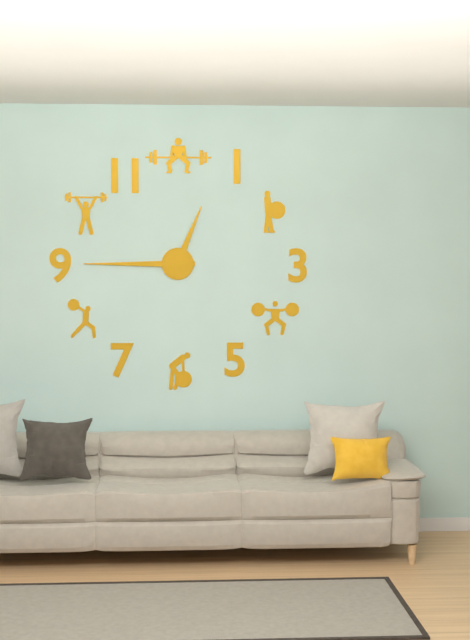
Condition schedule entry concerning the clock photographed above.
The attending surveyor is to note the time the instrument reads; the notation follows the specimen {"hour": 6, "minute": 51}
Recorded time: {"hour": 12, "minute": 45}
